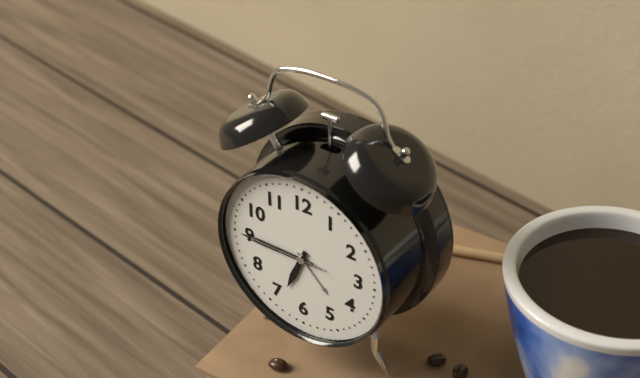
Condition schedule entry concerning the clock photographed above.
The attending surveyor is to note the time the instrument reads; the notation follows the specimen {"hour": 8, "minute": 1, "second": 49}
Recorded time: {"hour": 6, "minute": 45, "second": 45}
